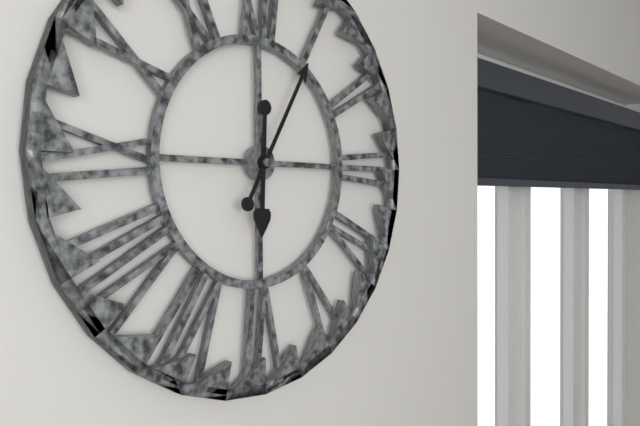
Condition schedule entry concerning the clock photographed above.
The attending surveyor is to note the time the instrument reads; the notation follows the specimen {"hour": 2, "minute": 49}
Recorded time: {"hour": 6, "minute": 5}
